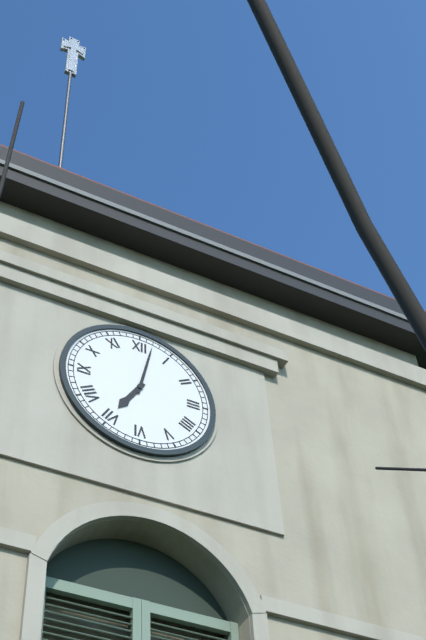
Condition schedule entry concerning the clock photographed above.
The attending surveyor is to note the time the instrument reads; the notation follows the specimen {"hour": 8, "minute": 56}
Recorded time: {"hour": 7, "minute": 2}
